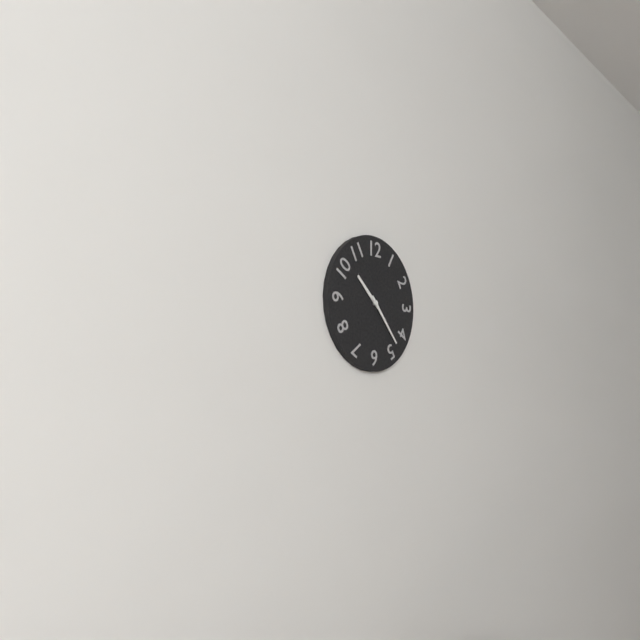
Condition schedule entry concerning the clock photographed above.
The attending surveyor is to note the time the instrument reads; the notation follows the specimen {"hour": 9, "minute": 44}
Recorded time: {"hour": 10, "minute": 23}
